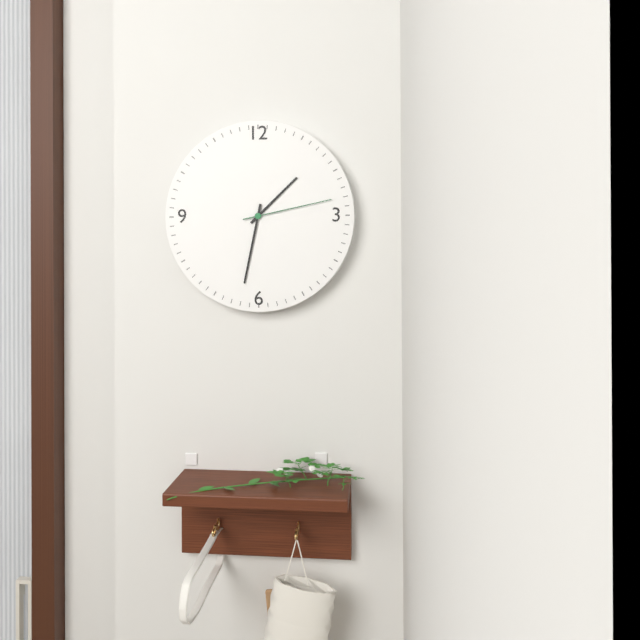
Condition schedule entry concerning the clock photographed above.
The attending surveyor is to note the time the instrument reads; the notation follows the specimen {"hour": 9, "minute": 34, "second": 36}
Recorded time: {"hour": 1, "minute": 32, "second": 13}
